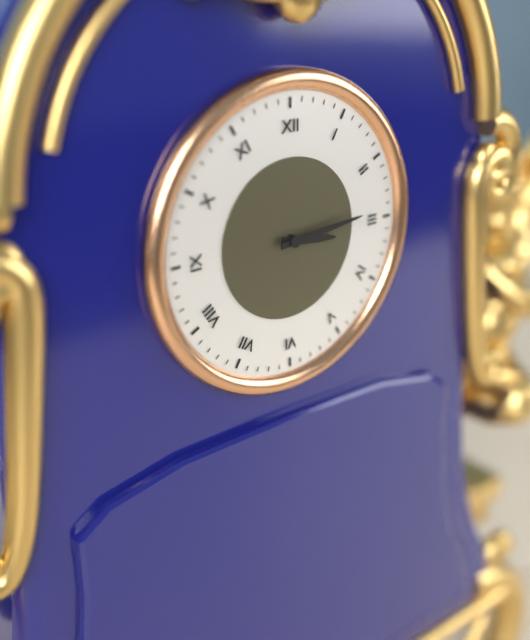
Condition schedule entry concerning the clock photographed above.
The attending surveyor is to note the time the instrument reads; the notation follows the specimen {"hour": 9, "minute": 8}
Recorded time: {"hour": 3, "minute": 14}
